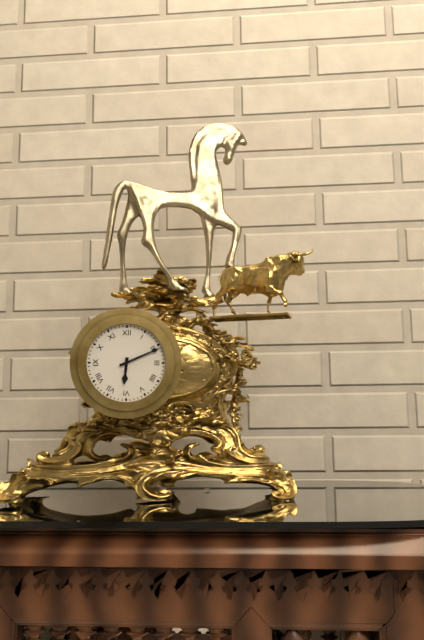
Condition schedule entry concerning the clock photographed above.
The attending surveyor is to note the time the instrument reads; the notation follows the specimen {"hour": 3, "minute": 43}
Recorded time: {"hour": 6, "minute": 11}
